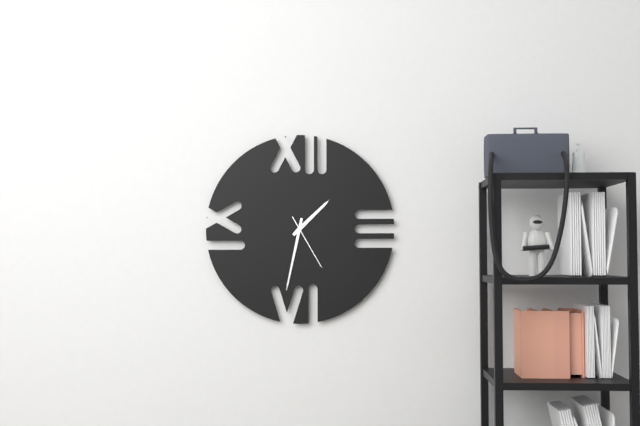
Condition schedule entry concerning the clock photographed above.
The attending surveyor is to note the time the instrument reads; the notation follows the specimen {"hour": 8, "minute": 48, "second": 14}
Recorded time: {"hour": 1, "minute": 32, "second": 25}
